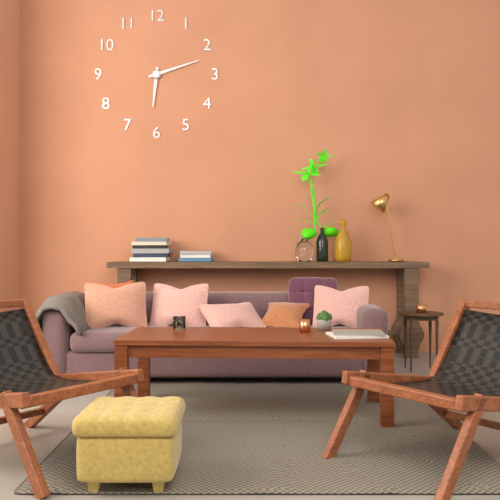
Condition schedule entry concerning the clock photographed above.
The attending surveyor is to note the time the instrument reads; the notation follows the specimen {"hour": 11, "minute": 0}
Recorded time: {"hour": 6, "minute": 12}
